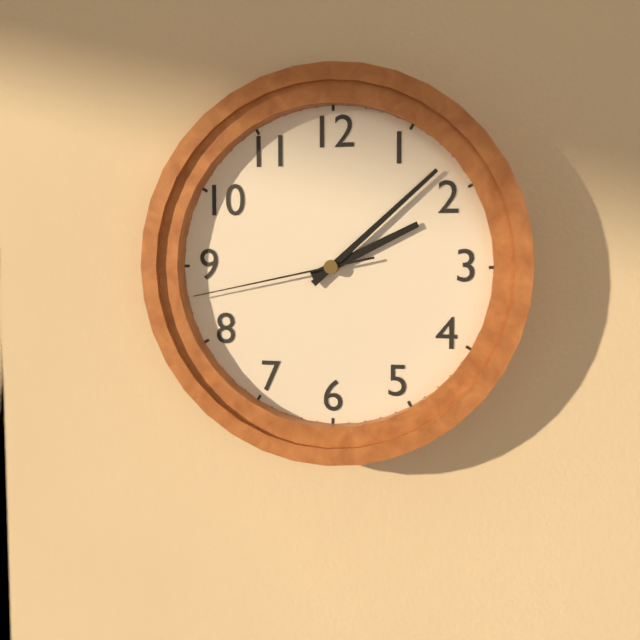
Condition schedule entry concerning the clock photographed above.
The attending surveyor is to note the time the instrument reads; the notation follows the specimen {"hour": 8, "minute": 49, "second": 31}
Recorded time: {"hour": 2, "minute": 8, "second": 43}
